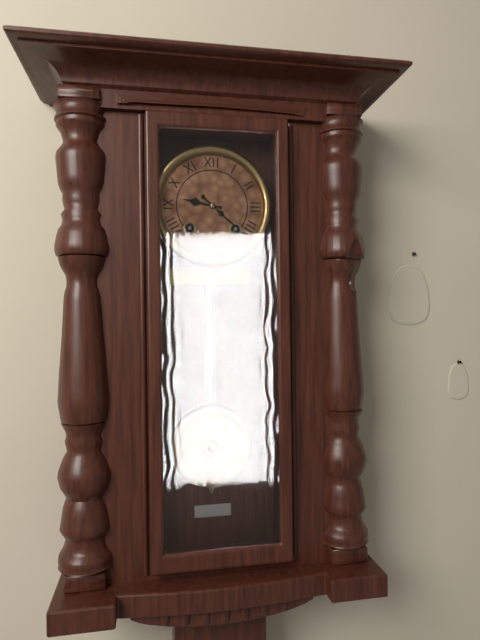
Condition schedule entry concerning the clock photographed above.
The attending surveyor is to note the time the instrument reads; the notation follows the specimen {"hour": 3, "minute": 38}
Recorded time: {"hour": 9, "minute": 22}
